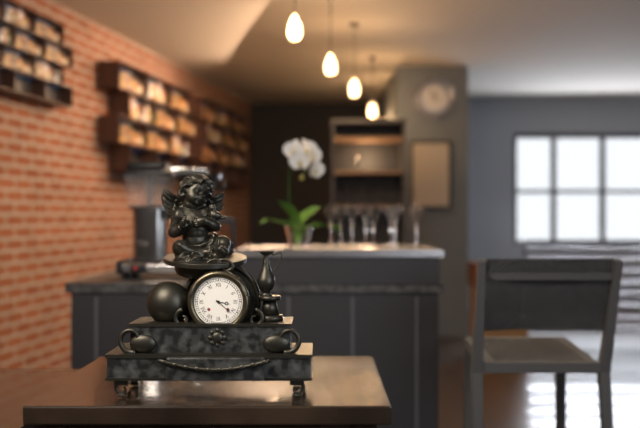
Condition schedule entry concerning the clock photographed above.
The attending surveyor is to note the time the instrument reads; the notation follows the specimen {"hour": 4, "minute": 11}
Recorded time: {"hour": 3, "minute": 22}
